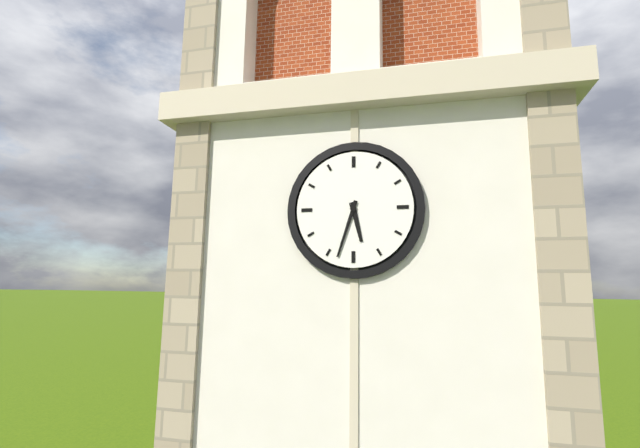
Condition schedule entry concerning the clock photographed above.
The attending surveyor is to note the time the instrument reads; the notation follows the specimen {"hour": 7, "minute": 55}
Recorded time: {"hour": 5, "minute": 33}
